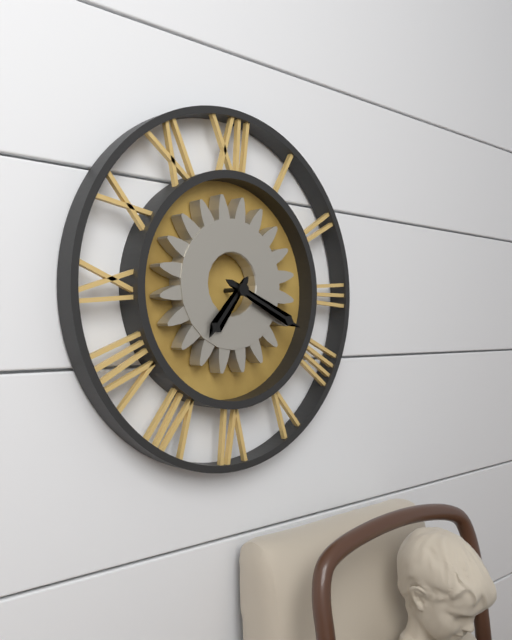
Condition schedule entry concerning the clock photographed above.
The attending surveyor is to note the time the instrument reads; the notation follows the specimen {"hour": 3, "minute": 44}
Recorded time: {"hour": 7, "minute": 19}
